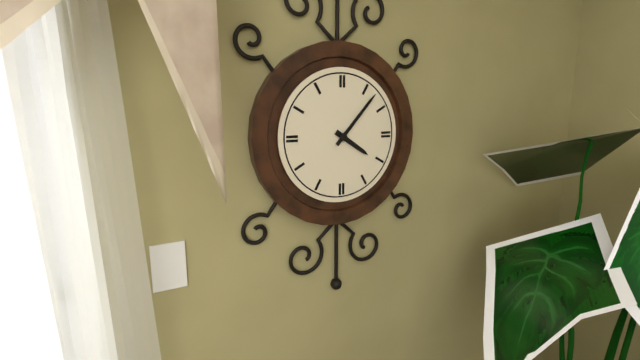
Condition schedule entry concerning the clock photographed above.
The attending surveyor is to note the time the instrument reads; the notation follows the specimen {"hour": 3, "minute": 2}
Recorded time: {"hour": 4, "minute": 7}
